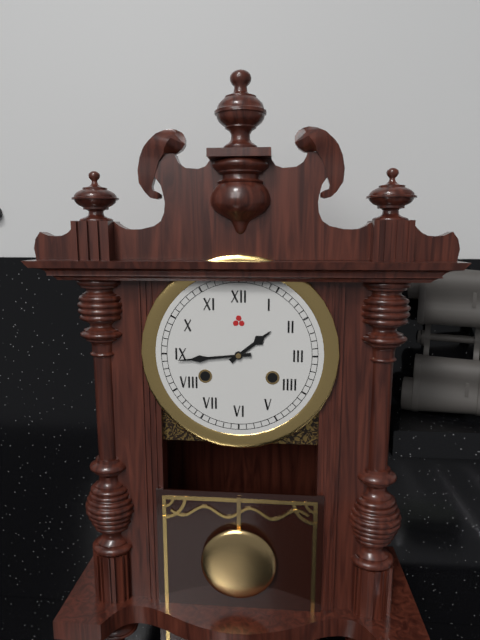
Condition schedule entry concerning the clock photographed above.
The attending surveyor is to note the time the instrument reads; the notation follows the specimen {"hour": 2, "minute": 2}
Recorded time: {"hour": 1, "minute": 44}
